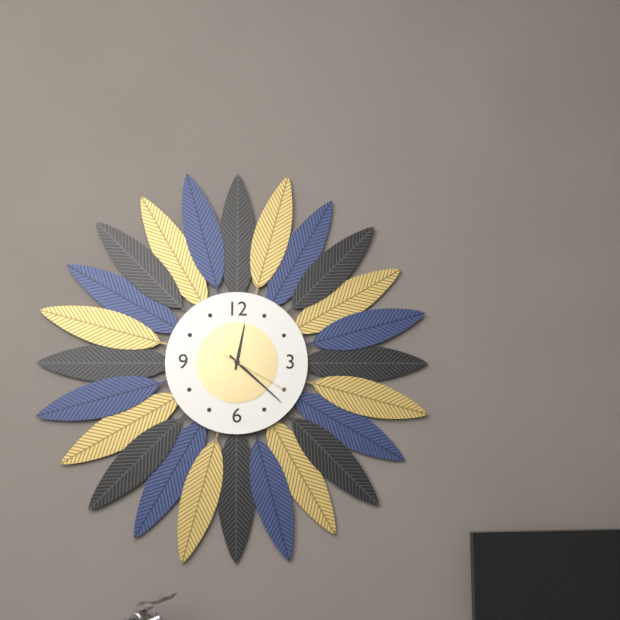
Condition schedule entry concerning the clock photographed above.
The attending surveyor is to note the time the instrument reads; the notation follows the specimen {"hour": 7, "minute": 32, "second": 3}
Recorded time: {"hour": 12, "minute": 22, "second": 20}
